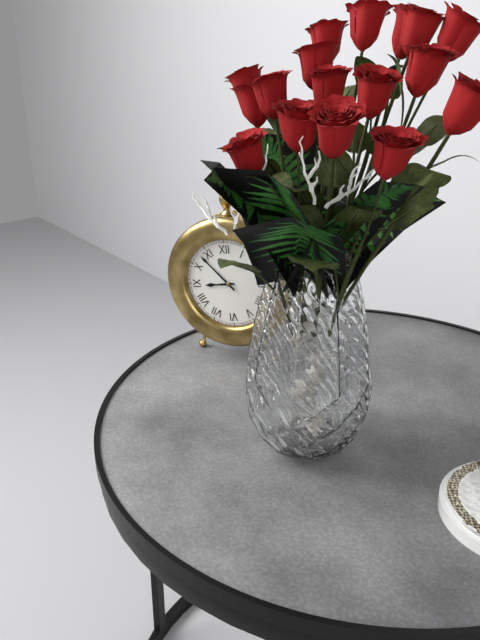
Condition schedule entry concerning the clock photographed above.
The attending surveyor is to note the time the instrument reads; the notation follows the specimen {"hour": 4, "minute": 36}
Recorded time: {"hour": 8, "minute": 53}
